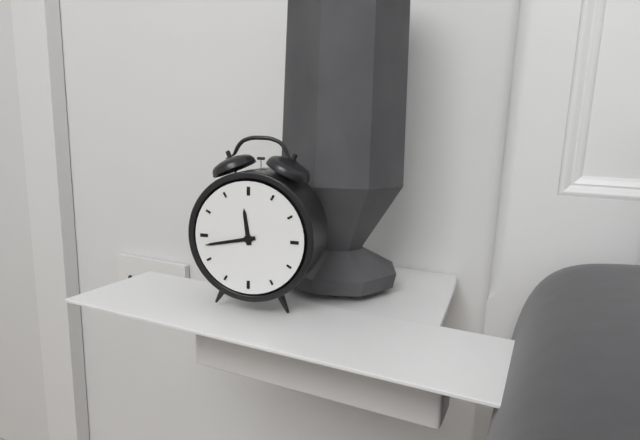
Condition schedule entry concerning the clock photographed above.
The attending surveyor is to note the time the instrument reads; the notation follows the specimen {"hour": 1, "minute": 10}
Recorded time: {"hour": 11, "minute": 43}
